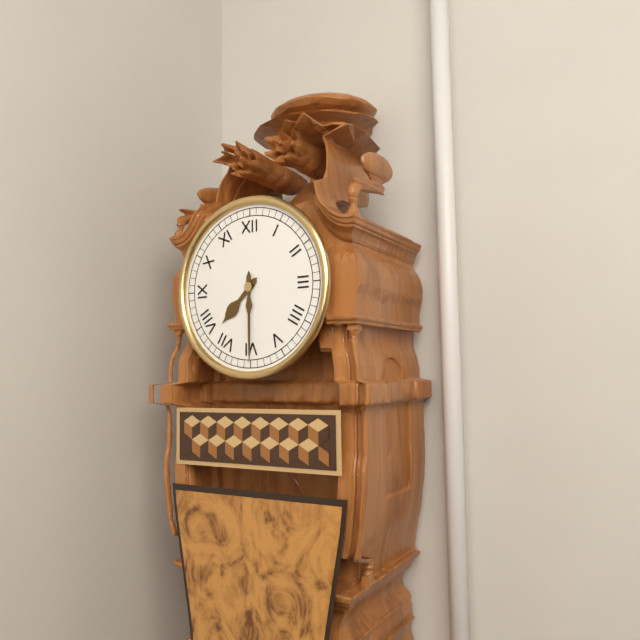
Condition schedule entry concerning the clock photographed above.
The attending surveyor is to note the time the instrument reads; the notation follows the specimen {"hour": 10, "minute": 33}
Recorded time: {"hour": 7, "minute": 30}
